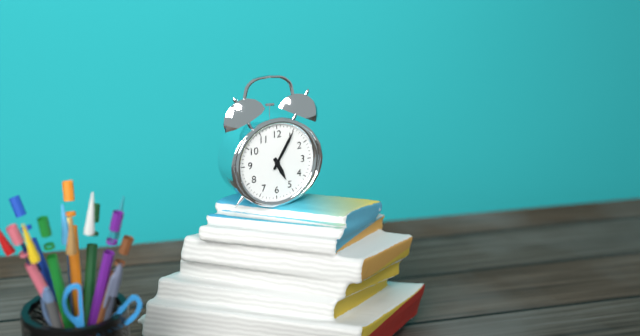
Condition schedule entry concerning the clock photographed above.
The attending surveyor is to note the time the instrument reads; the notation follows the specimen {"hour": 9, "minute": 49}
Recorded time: {"hour": 5, "minute": 5}
